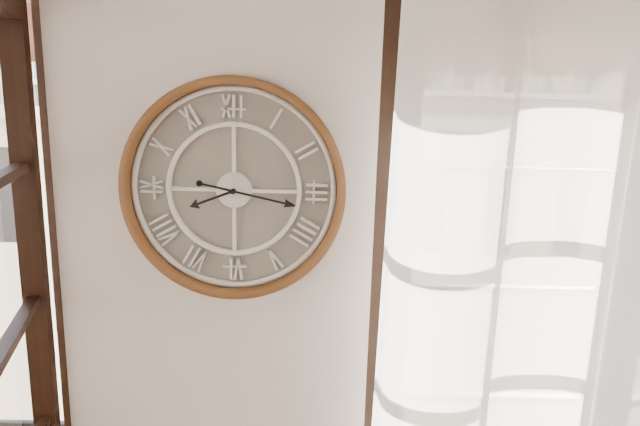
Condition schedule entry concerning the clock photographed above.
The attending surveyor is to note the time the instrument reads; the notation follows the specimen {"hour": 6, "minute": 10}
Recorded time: {"hour": 8, "minute": 17}
